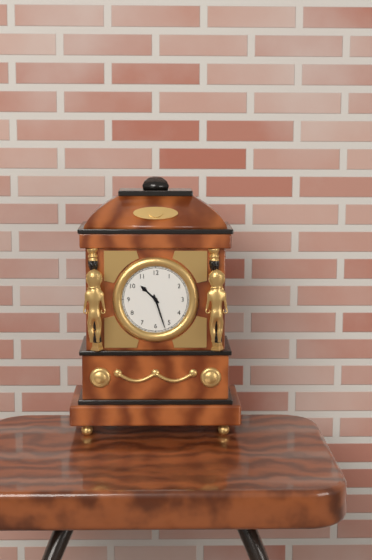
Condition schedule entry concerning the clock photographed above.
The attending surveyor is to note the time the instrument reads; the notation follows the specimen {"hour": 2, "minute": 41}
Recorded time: {"hour": 10, "minute": 27}
